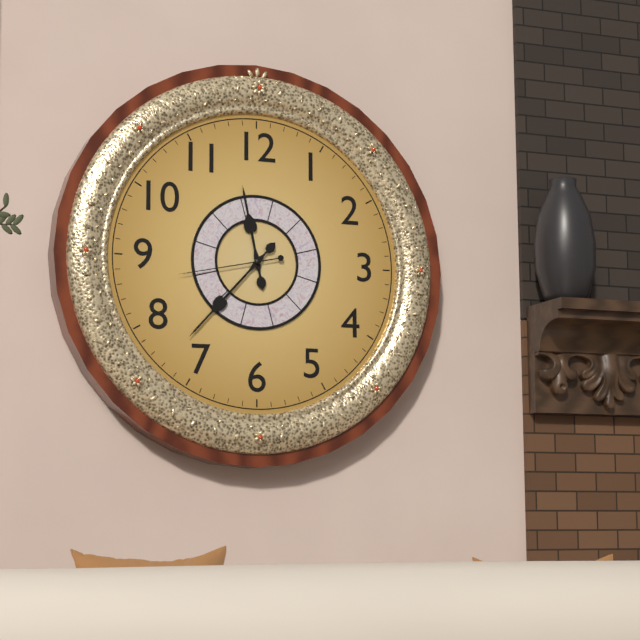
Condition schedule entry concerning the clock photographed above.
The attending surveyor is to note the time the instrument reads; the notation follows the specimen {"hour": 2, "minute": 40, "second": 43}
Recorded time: {"hour": 11, "minute": 37, "second": 43}
